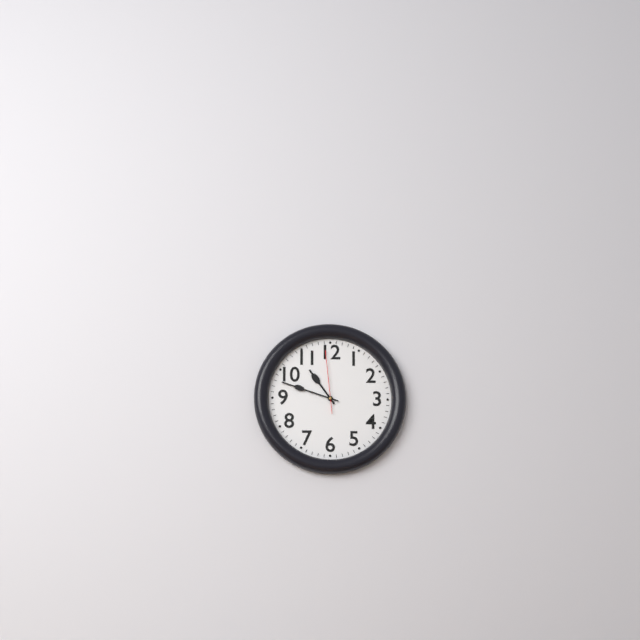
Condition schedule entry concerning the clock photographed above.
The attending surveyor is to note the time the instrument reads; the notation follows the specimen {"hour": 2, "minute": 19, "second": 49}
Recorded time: {"hour": 10, "minute": 48, "second": 59}
